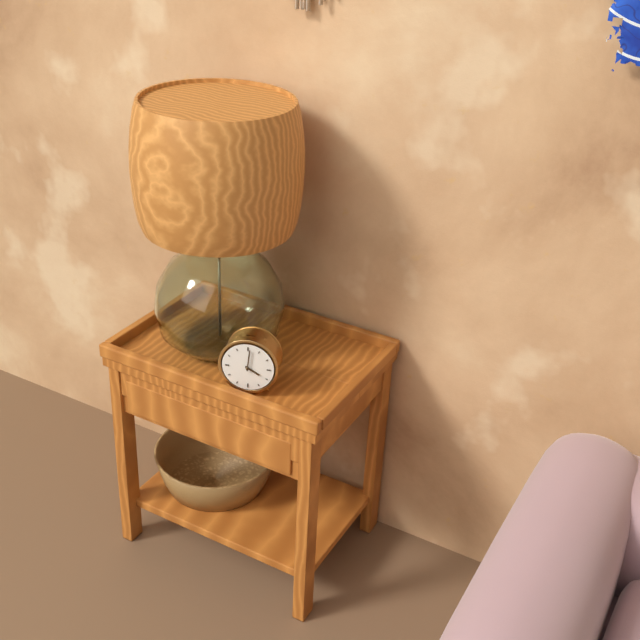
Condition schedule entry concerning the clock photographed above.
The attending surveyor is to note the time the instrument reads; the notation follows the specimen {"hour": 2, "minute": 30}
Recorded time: {"hour": 4, "minute": 1}
